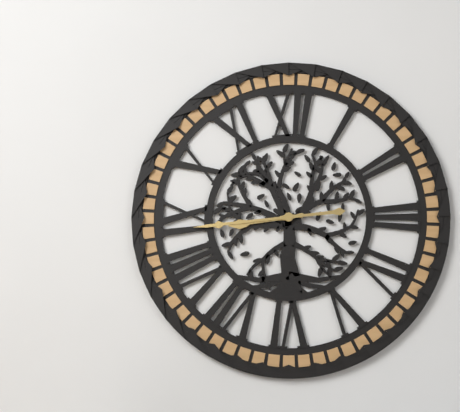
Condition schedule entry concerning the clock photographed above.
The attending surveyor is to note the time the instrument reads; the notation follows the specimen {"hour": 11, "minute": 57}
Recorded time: {"hour": 8, "minute": 44}
